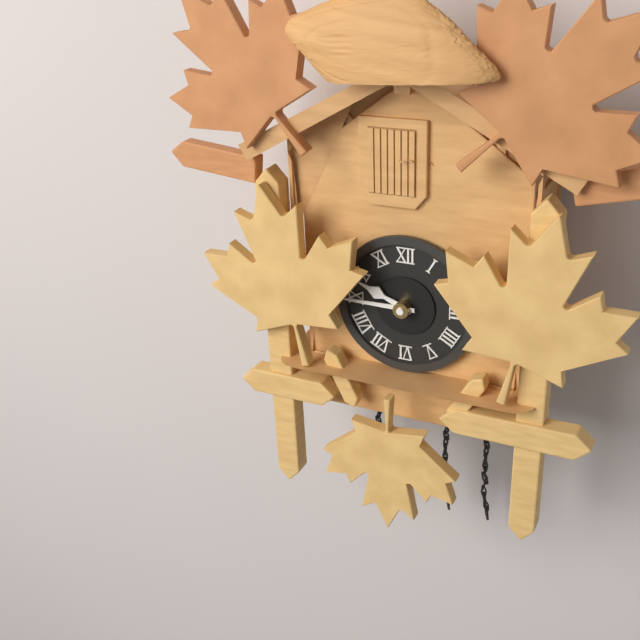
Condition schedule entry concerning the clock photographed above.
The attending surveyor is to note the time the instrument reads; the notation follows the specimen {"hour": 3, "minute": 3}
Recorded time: {"hour": 9, "minute": 45}
